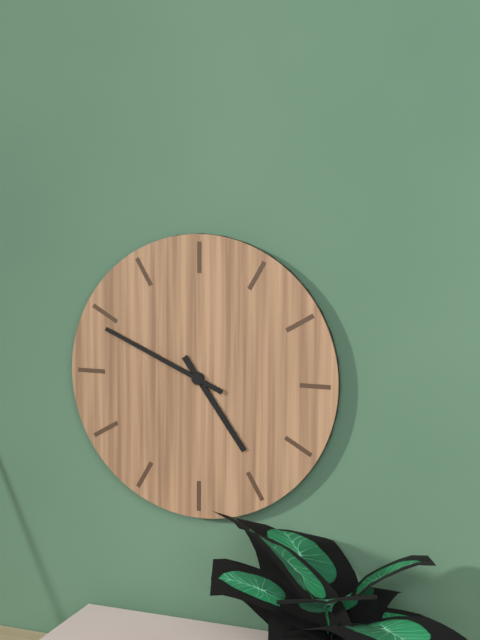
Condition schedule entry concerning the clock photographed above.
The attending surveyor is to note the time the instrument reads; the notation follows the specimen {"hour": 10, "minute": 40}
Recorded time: {"hour": 4, "minute": 49}
